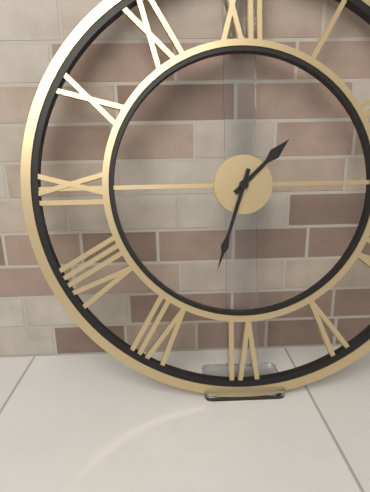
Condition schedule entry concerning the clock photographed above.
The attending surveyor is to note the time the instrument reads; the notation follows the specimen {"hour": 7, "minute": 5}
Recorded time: {"hour": 1, "minute": 33}
